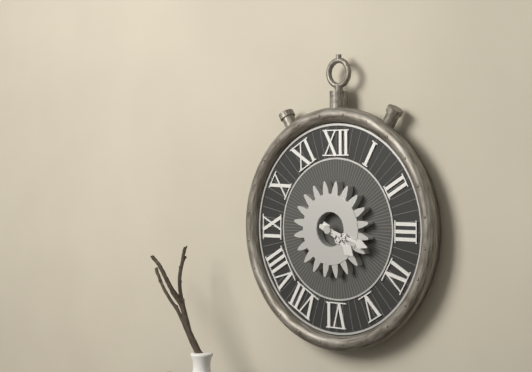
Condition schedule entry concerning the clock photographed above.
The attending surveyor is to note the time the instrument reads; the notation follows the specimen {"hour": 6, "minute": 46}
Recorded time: {"hour": 4, "minute": 18}
